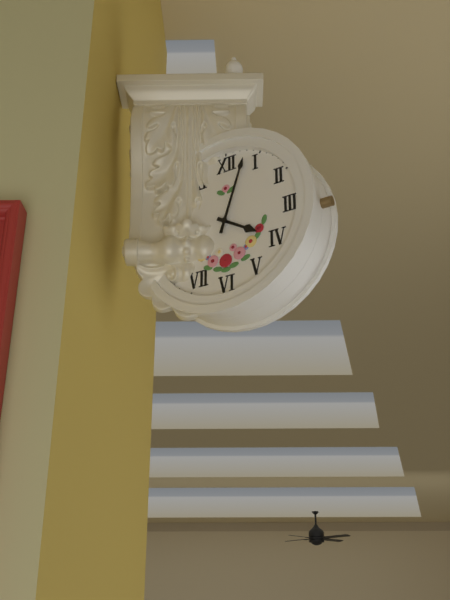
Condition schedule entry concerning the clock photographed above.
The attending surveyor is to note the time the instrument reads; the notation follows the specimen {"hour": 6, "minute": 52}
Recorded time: {"hour": 4, "minute": 3}
